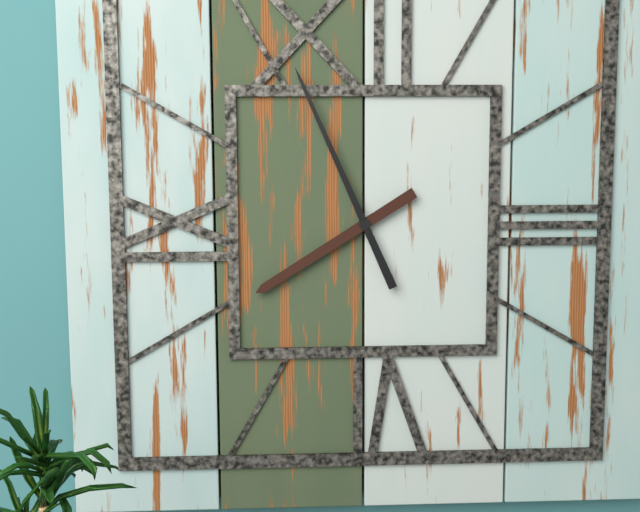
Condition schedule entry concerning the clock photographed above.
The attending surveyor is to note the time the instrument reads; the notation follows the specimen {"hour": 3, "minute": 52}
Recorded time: {"hour": 7, "minute": 56}
